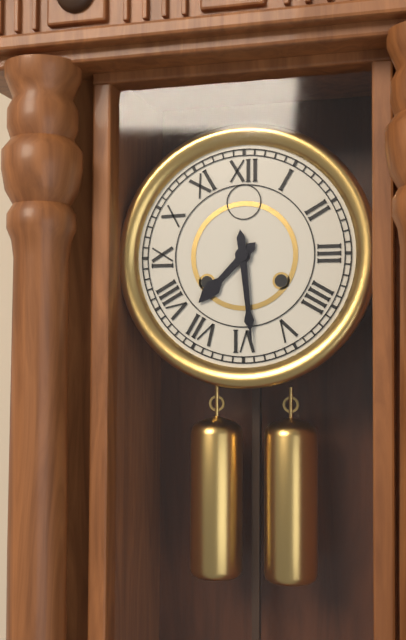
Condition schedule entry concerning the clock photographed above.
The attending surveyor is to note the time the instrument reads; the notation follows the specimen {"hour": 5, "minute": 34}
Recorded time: {"hour": 7, "minute": 29}
